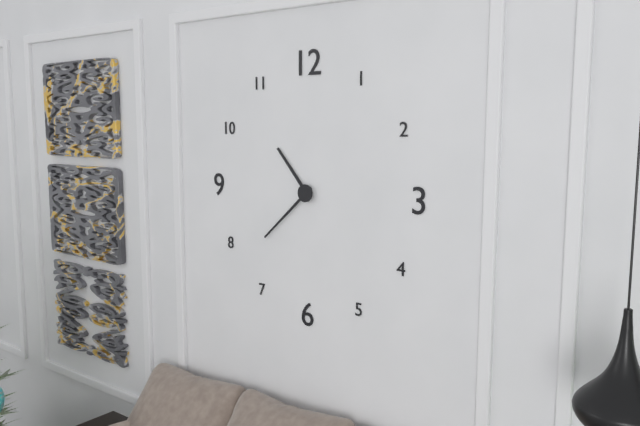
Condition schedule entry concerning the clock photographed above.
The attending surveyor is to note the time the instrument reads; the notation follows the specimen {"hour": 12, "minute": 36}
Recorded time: {"hour": 10, "minute": 38}
